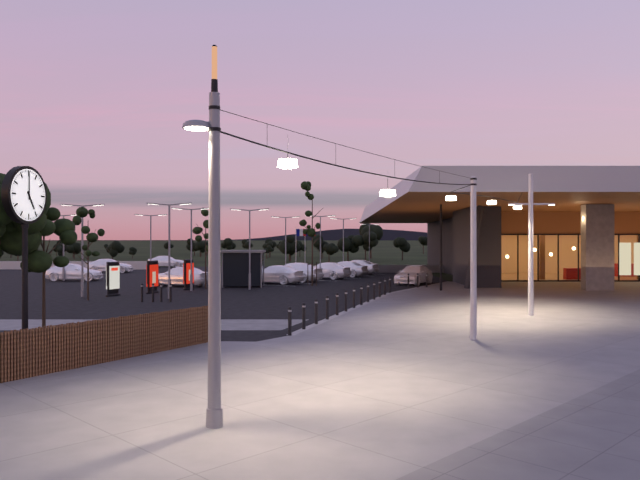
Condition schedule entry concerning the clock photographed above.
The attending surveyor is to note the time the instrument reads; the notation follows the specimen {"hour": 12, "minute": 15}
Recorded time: {"hour": 5, "minute": 0}
